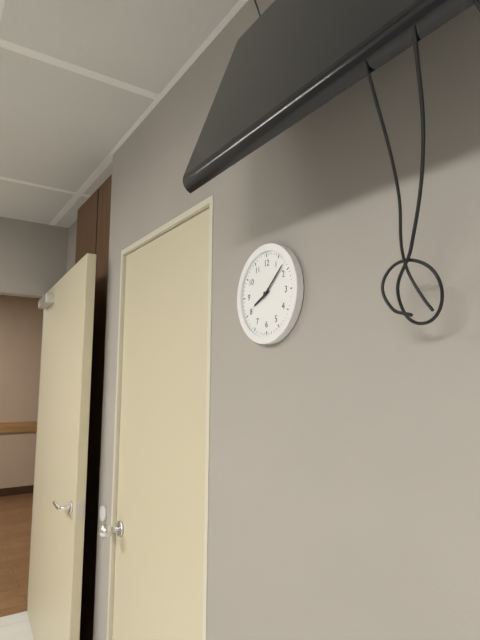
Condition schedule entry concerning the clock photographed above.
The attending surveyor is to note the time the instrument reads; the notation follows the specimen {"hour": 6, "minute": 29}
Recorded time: {"hour": 8, "minute": 8}
